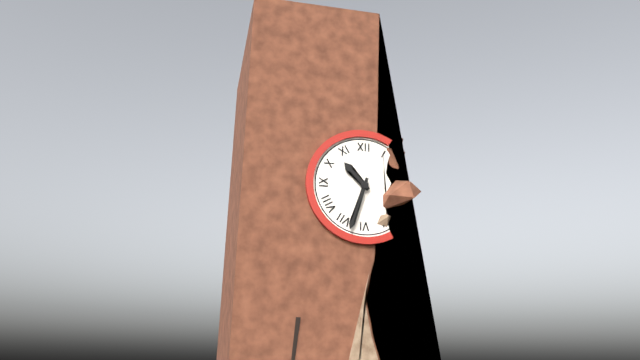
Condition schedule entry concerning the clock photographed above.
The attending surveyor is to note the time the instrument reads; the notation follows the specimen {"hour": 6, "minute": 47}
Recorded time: {"hour": 10, "minute": 33}
